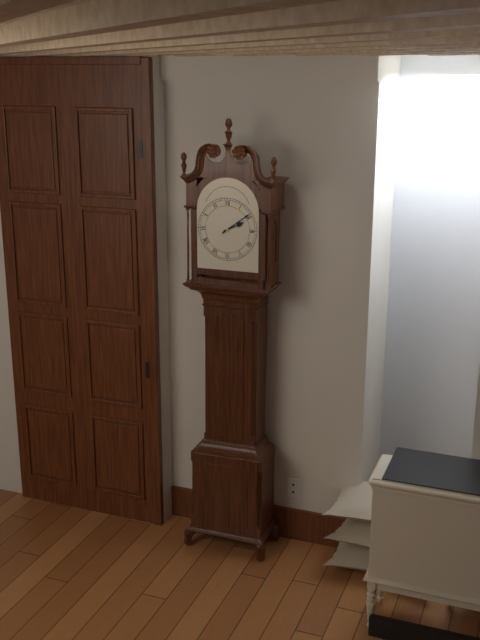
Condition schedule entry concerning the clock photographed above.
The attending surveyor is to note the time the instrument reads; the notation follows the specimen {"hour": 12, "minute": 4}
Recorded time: {"hour": 2, "minute": 9}
